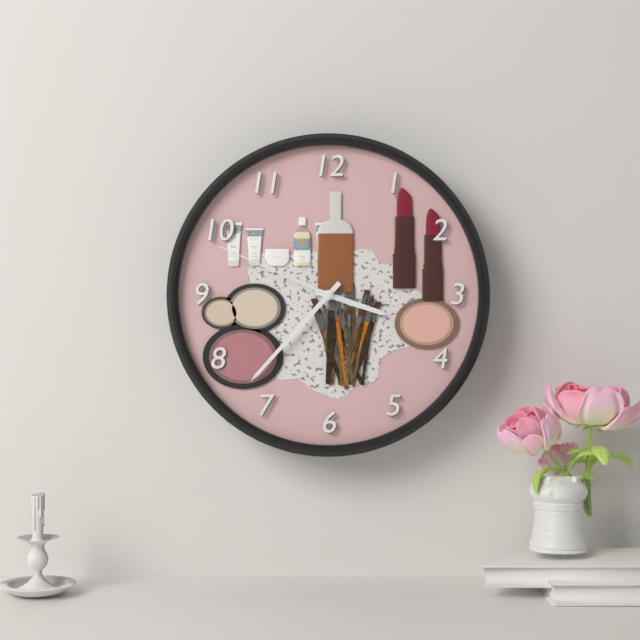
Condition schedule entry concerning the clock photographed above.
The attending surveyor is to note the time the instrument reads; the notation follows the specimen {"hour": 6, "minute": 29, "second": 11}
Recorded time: {"hour": 3, "minute": 37, "second": 49}
